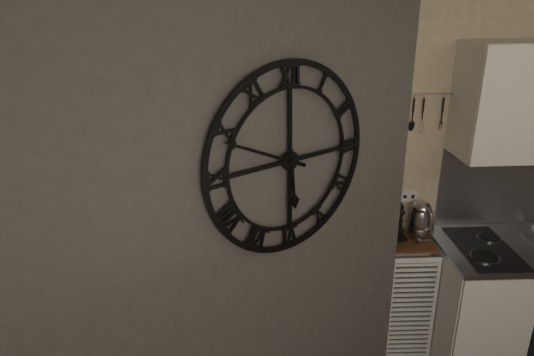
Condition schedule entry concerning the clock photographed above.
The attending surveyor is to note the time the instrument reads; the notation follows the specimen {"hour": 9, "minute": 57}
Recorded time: {"hour": 5, "minute": 49}
